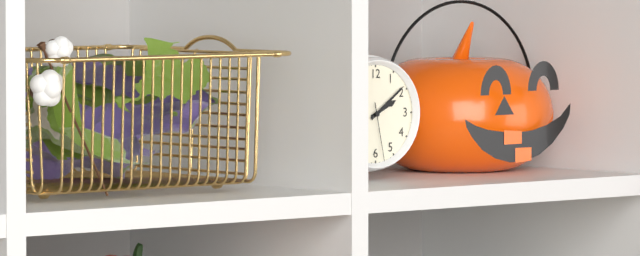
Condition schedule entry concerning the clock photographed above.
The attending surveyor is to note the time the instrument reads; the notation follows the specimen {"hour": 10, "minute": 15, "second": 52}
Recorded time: {"hour": 2, "minute": 9, "second": 28}
